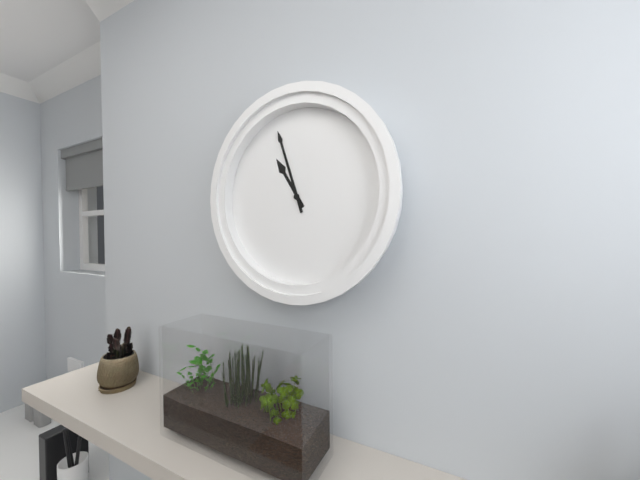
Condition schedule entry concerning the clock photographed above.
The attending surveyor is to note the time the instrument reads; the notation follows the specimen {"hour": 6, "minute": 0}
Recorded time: {"hour": 10, "minute": 57}
